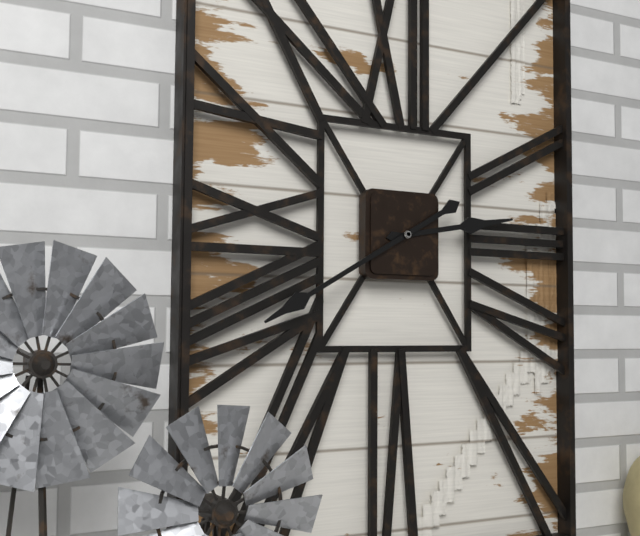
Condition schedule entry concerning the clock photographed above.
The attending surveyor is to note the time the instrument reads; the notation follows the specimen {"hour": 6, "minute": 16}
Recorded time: {"hour": 2, "minute": 40}
